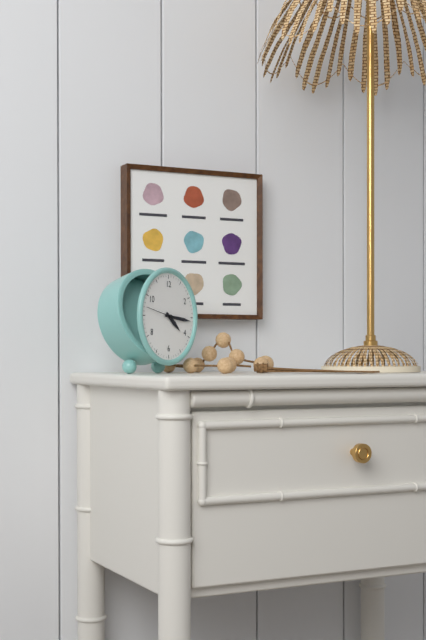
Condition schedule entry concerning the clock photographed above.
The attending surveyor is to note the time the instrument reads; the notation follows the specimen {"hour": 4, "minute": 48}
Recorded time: {"hour": 4, "minute": 16}
